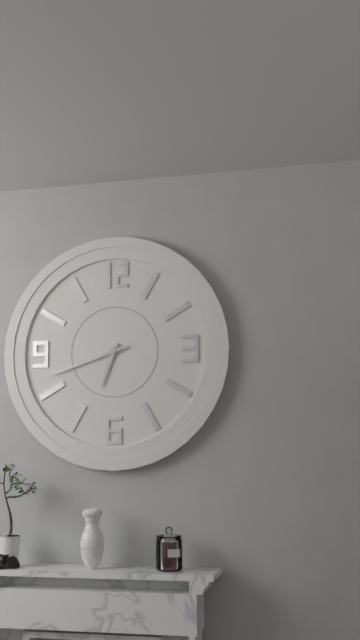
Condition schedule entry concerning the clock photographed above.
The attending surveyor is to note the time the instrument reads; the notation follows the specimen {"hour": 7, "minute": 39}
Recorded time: {"hour": 6, "minute": 42}
